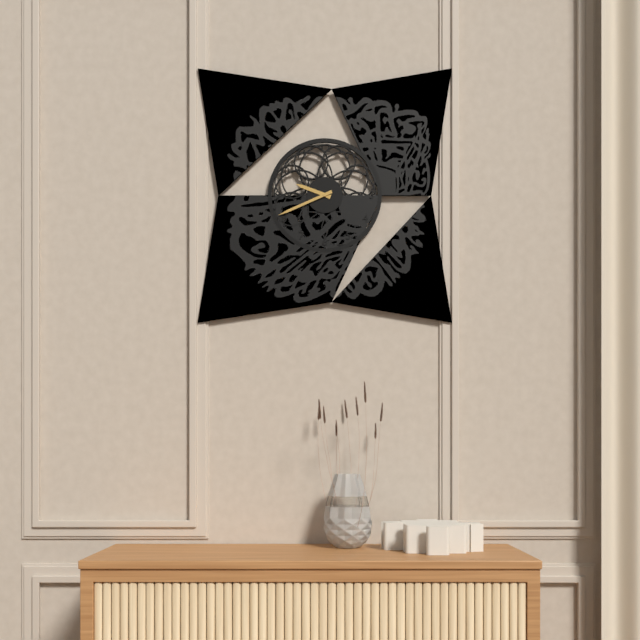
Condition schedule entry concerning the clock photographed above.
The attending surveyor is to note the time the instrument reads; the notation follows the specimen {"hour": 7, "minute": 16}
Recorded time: {"hour": 9, "minute": 41}
